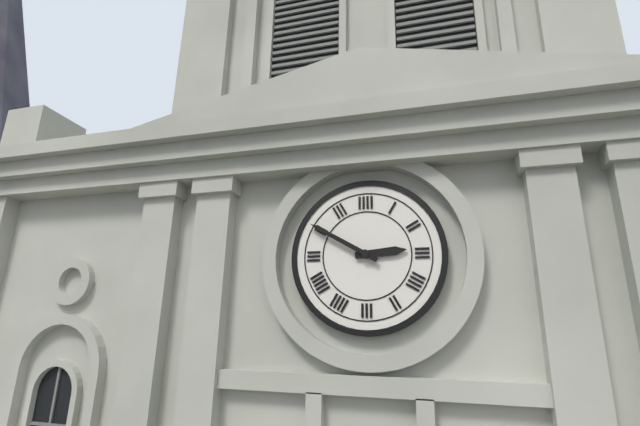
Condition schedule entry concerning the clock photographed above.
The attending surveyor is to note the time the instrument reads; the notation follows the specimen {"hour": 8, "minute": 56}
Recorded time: {"hour": 2, "minute": 50}
